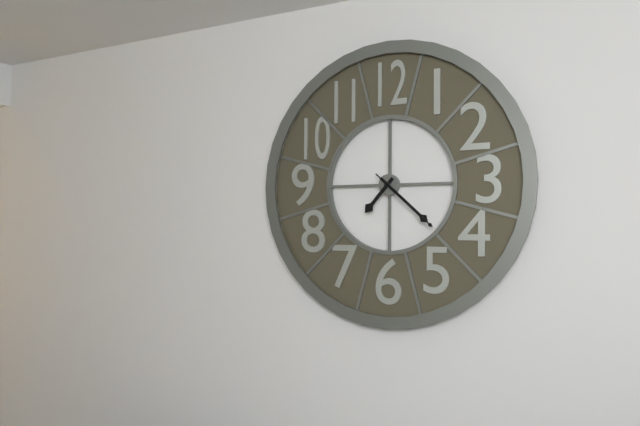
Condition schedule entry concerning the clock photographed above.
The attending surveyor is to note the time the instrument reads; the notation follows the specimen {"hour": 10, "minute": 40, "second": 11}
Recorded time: {"hour": 7, "minute": 22, "second": 22}
